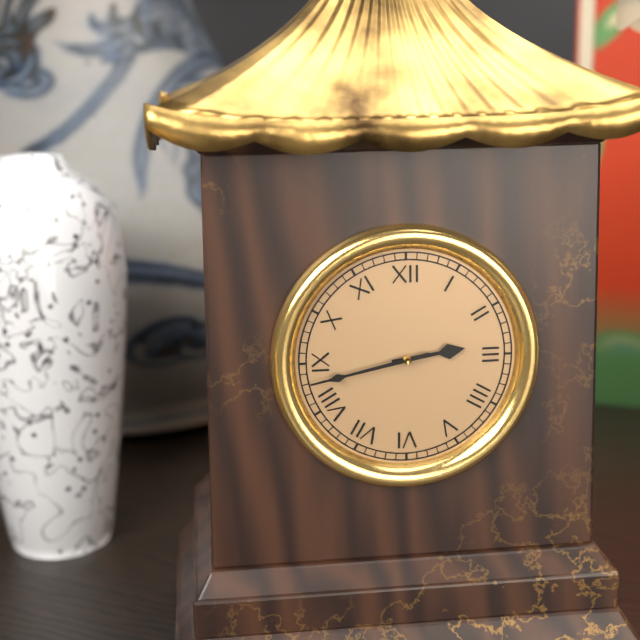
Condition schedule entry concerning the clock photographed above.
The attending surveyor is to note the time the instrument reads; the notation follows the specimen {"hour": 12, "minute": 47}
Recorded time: {"hour": 2, "minute": 43}
